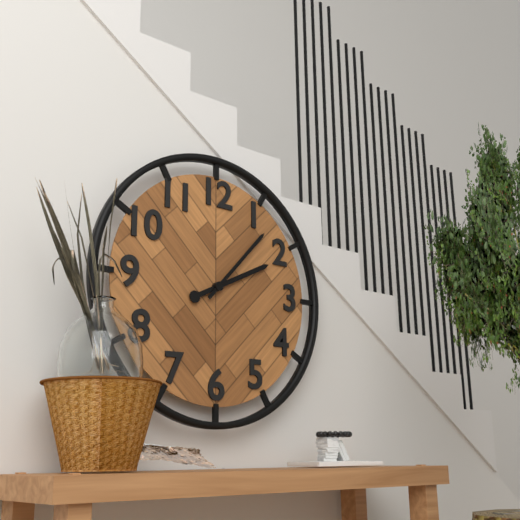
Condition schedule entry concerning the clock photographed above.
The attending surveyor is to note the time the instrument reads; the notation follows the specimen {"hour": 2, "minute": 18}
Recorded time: {"hour": 2, "minute": 7}
